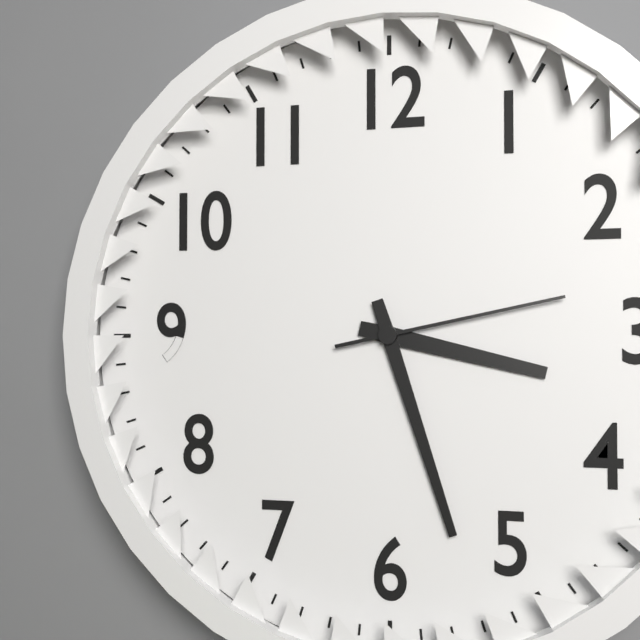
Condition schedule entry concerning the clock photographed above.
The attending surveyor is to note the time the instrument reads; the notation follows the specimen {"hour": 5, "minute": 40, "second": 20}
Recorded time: {"hour": 3, "minute": 27, "second": 13}
